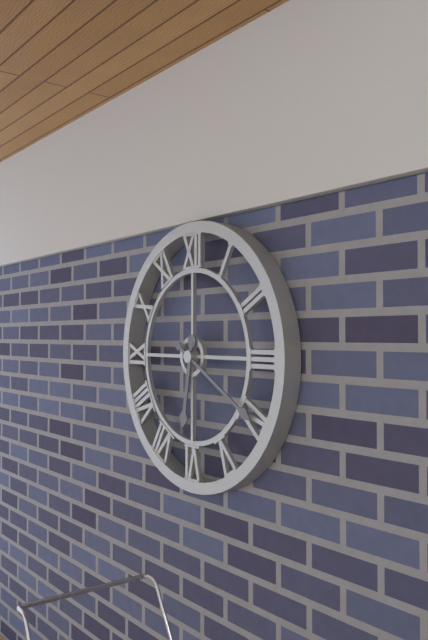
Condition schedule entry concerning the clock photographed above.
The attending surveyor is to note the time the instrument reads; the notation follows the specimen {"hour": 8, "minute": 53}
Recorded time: {"hour": 6, "minute": 20}
